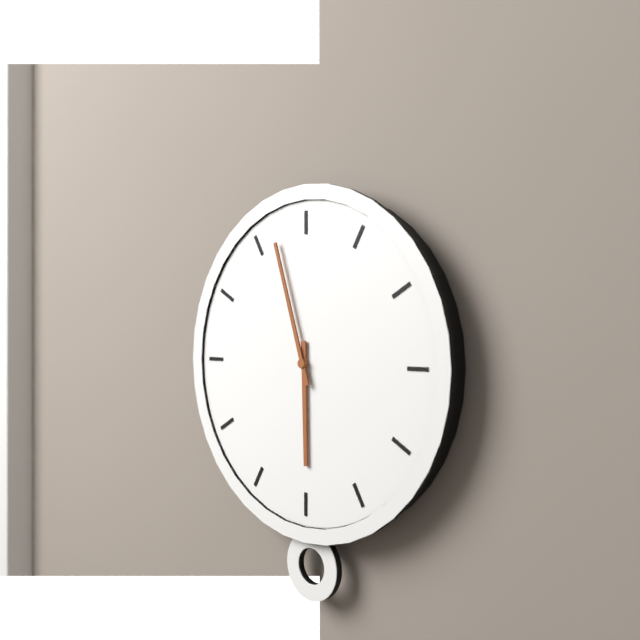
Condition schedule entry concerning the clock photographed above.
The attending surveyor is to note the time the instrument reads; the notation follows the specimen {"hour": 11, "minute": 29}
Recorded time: {"hour": 5, "minute": 57}
